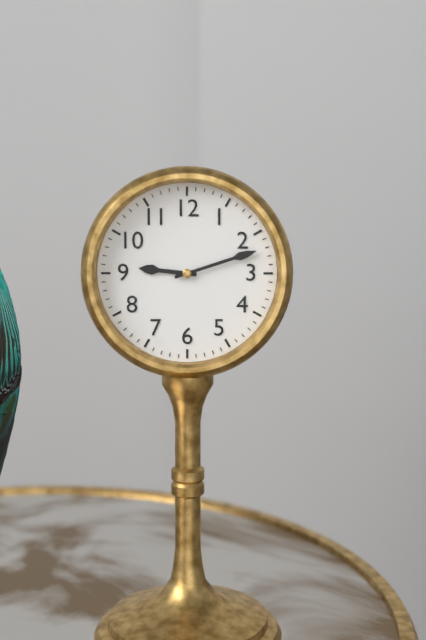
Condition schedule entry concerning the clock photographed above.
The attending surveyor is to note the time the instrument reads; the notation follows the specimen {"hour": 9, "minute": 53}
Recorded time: {"hour": 9, "minute": 12}
